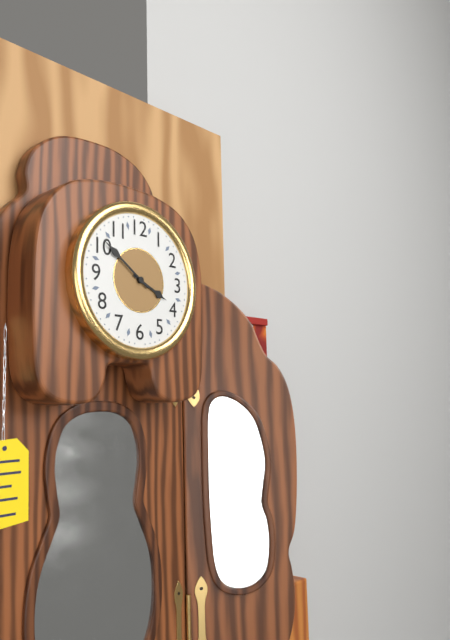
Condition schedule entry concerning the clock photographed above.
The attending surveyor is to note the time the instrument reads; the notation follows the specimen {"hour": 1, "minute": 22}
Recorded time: {"hour": 3, "minute": 51}
